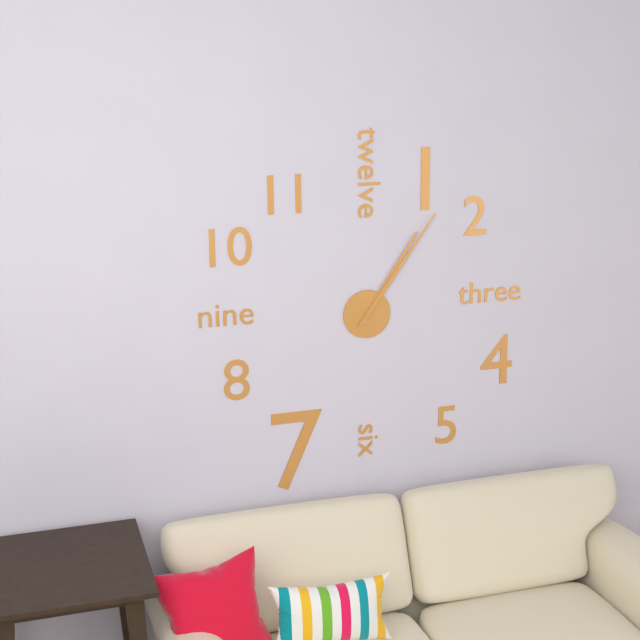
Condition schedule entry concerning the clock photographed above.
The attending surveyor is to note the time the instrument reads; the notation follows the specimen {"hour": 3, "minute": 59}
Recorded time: {"hour": 1, "minute": 6}
